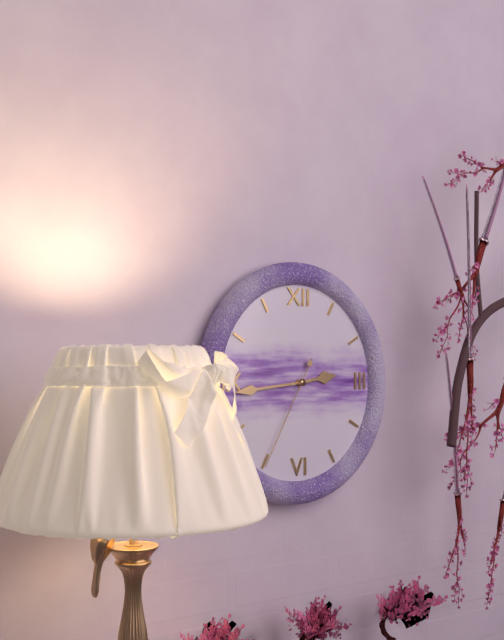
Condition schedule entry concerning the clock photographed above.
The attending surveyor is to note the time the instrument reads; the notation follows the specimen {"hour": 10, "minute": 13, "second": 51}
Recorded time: {"hour": 2, "minute": 44, "second": 35}
